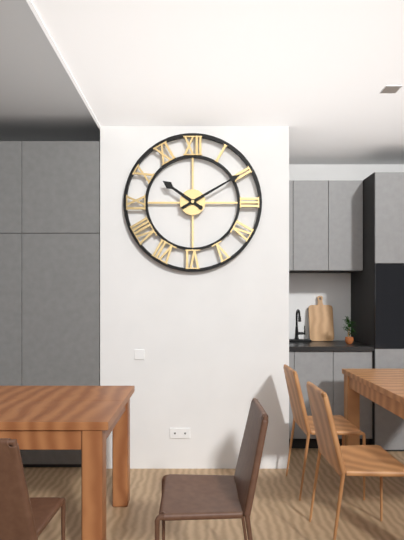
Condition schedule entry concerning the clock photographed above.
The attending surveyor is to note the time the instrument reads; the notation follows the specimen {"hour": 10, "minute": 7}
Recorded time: {"hour": 10, "minute": 10}
